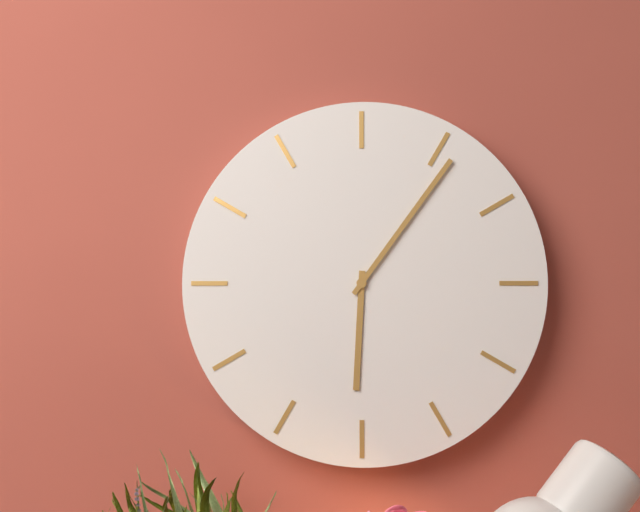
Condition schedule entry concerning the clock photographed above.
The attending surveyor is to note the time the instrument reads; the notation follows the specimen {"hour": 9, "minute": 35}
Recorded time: {"hour": 6, "minute": 6}
